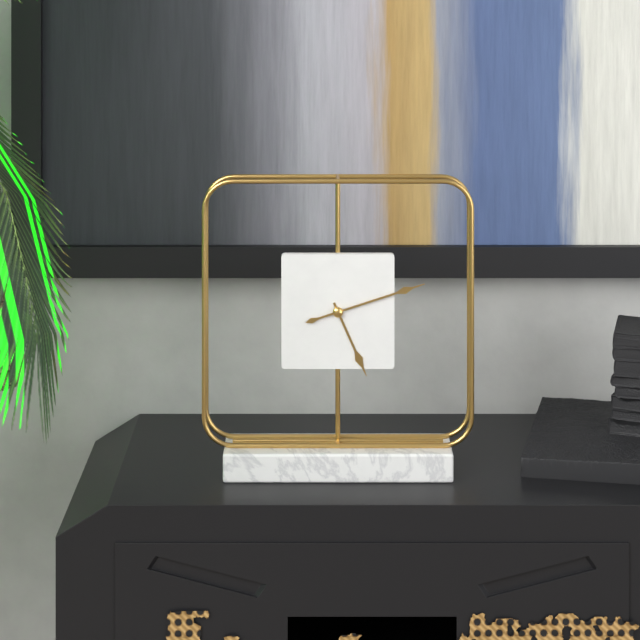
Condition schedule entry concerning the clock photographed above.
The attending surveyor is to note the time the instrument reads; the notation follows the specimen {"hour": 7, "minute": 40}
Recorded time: {"hour": 5, "minute": 12}
